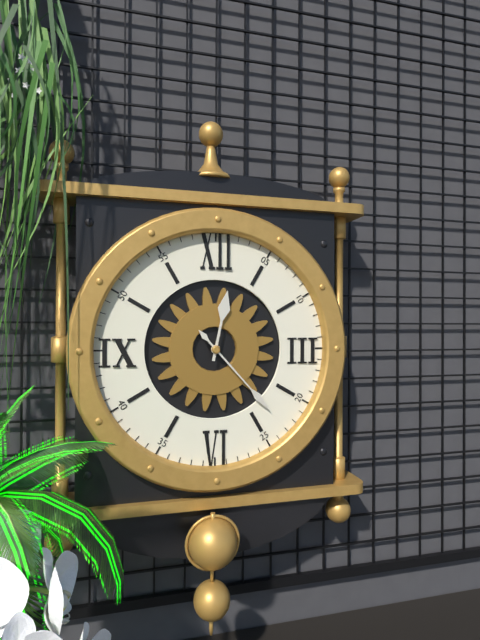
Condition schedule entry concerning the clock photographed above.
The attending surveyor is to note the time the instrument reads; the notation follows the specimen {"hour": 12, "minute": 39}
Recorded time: {"hour": 12, "minute": 23}
